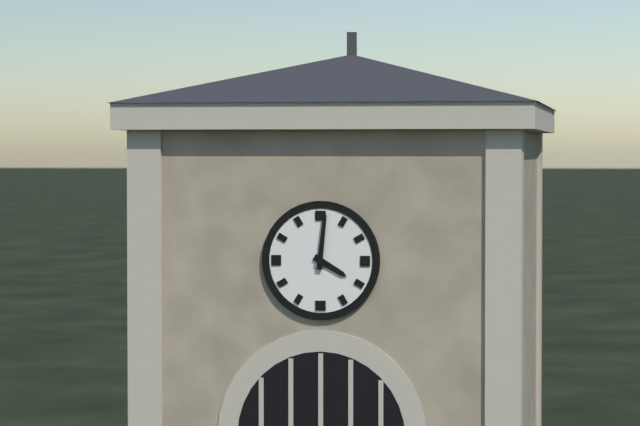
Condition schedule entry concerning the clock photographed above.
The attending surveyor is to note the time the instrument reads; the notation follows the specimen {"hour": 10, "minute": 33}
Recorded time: {"hour": 4, "minute": 1}
